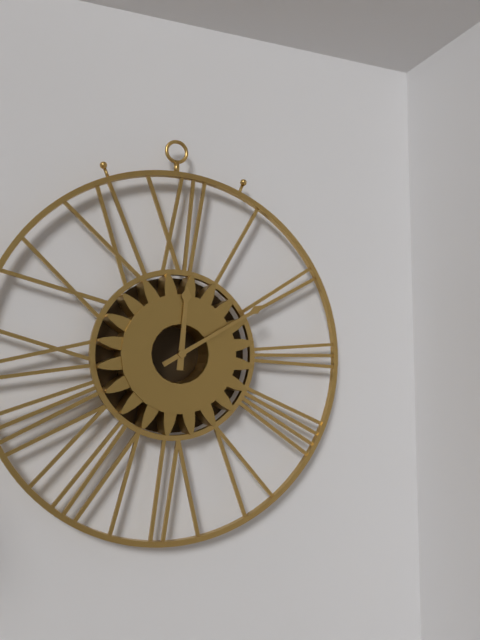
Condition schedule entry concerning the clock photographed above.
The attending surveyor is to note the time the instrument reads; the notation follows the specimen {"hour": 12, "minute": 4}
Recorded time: {"hour": 12, "minute": 10}
